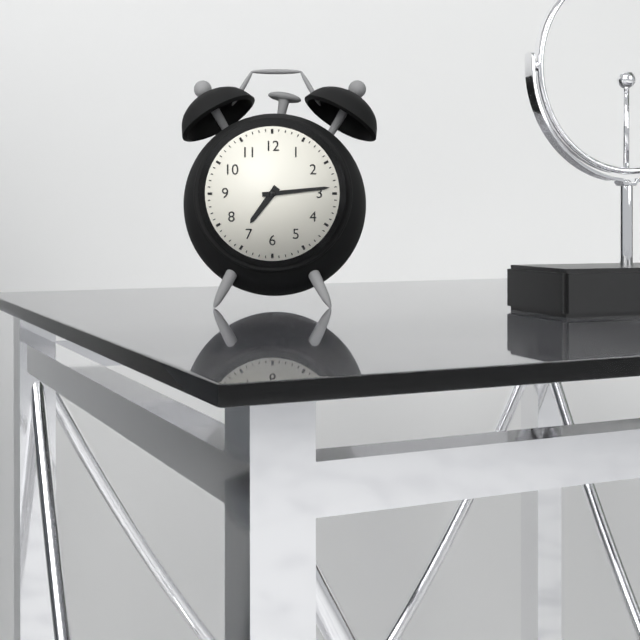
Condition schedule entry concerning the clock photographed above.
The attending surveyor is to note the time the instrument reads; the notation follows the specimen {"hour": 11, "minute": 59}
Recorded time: {"hour": 7, "minute": 14}
